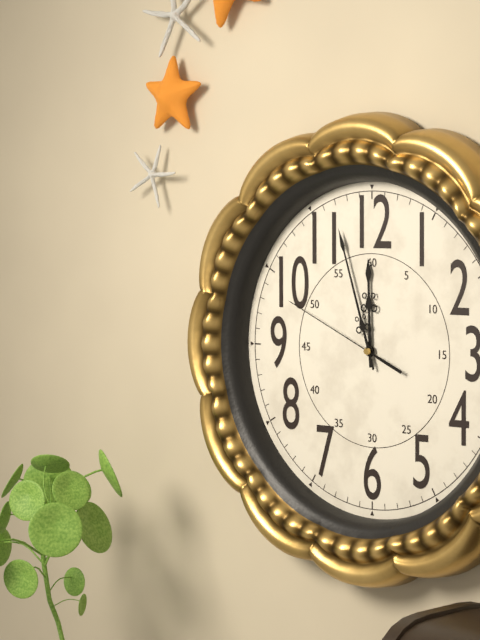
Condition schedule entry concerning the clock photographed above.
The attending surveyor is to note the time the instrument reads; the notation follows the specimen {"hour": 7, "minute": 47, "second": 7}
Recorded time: {"hour": 11, "minute": 57, "second": 49}
